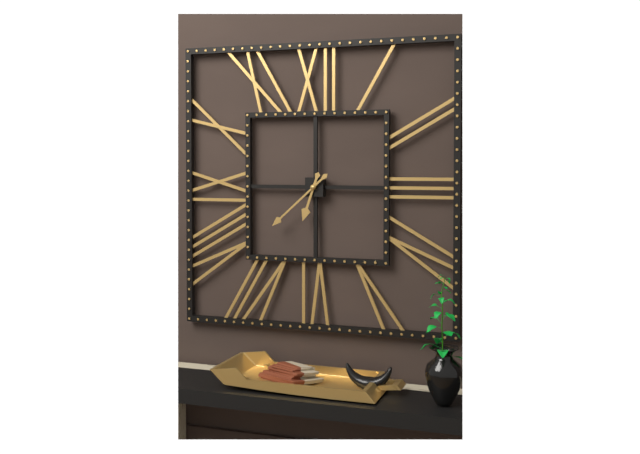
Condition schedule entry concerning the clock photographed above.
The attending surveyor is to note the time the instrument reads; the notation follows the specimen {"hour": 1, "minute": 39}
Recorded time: {"hour": 6, "minute": 38}
